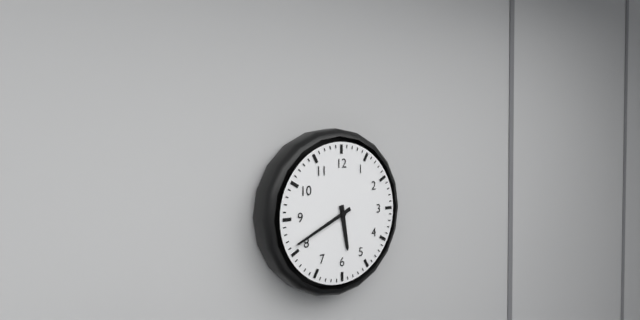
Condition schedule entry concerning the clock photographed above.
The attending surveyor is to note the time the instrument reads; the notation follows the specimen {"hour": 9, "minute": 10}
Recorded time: {"hour": 5, "minute": 41}
